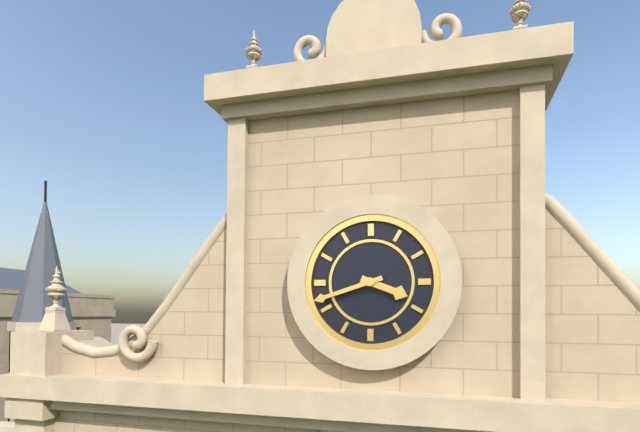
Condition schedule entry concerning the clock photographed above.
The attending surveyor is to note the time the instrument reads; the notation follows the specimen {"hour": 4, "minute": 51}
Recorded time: {"hour": 3, "minute": 42}
